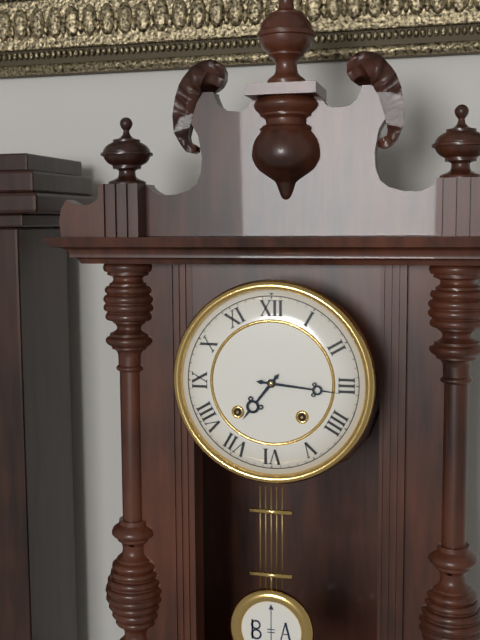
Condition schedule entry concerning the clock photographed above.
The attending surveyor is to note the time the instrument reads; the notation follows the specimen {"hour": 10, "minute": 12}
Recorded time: {"hour": 7, "minute": 16}
